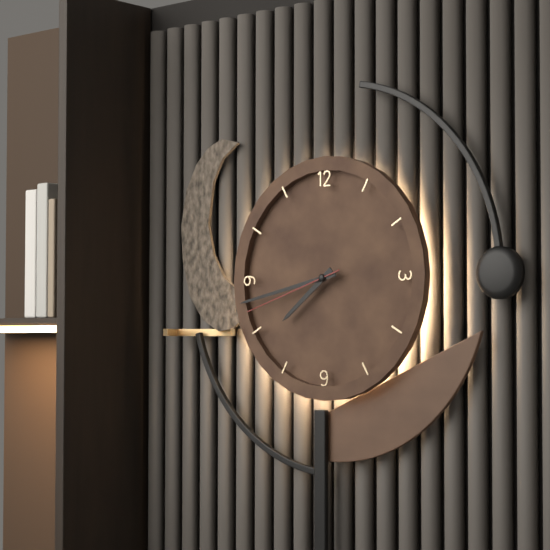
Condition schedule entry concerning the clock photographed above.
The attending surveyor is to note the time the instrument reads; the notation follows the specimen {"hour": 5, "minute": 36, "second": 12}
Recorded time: {"hour": 7, "minute": 43, "second": 42}
